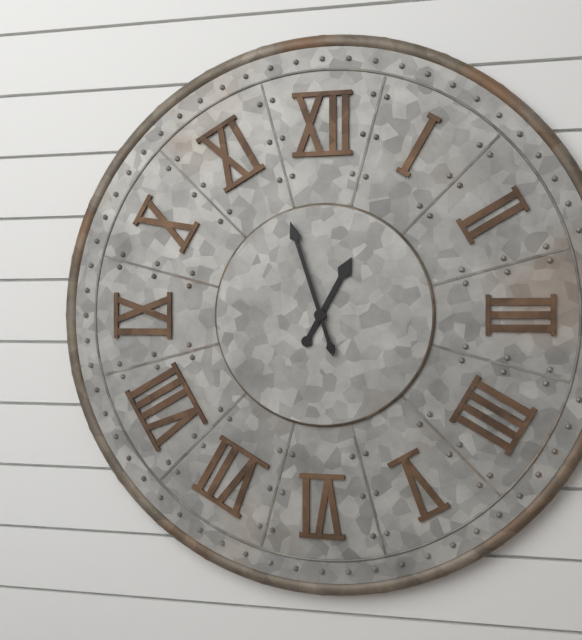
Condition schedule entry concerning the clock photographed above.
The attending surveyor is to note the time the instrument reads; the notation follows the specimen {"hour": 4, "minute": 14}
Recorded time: {"hour": 12, "minute": 57}
